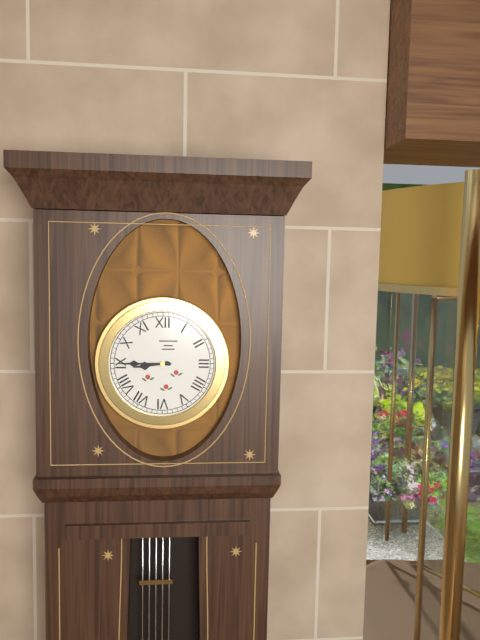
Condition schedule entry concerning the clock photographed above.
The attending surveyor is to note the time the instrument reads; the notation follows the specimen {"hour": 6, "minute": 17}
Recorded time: {"hour": 8, "minute": 45}
